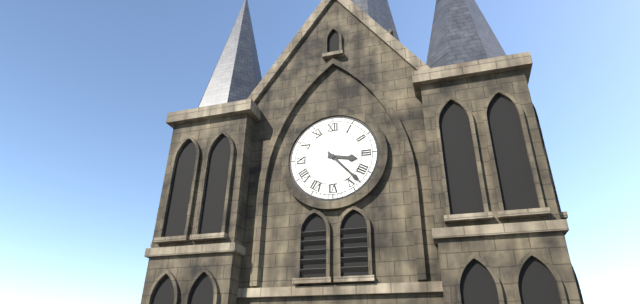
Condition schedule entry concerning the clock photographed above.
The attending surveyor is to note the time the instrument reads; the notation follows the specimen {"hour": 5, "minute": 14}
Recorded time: {"hour": 3, "minute": 23}
